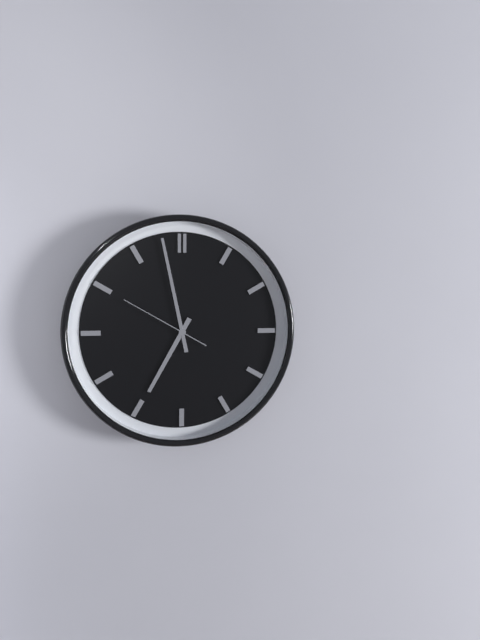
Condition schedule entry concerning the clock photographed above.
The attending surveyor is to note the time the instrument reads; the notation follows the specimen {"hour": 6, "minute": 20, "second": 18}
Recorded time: {"hour": 6, "minute": 58, "second": 50}
